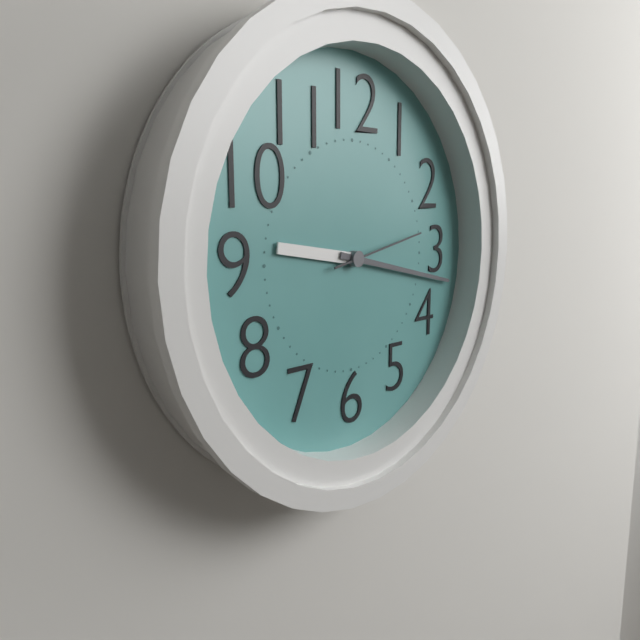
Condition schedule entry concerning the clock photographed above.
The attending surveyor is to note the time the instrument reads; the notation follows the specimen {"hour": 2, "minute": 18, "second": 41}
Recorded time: {"hour": 9, "minute": 17, "second": 13}
